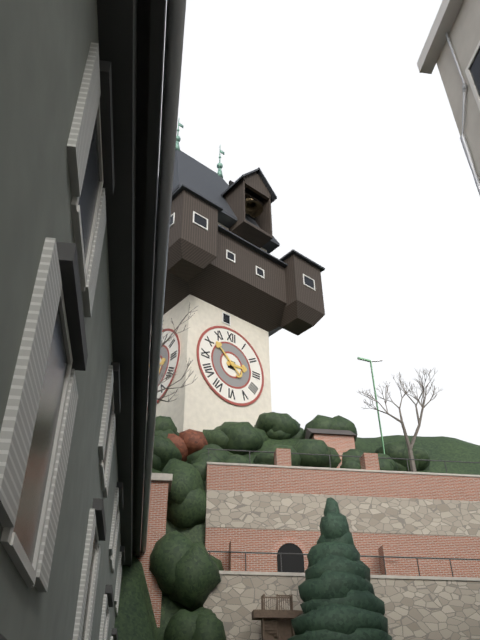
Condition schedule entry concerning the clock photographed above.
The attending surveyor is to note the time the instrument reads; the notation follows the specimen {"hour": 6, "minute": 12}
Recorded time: {"hour": 2, "minute": 52}
